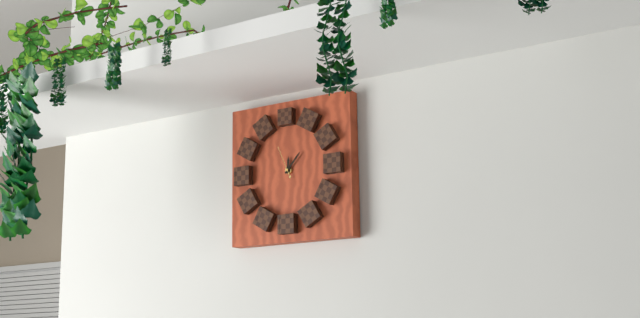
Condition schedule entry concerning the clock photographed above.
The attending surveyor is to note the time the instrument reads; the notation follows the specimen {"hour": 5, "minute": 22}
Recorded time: {"hour": 12, "minute": 7}
